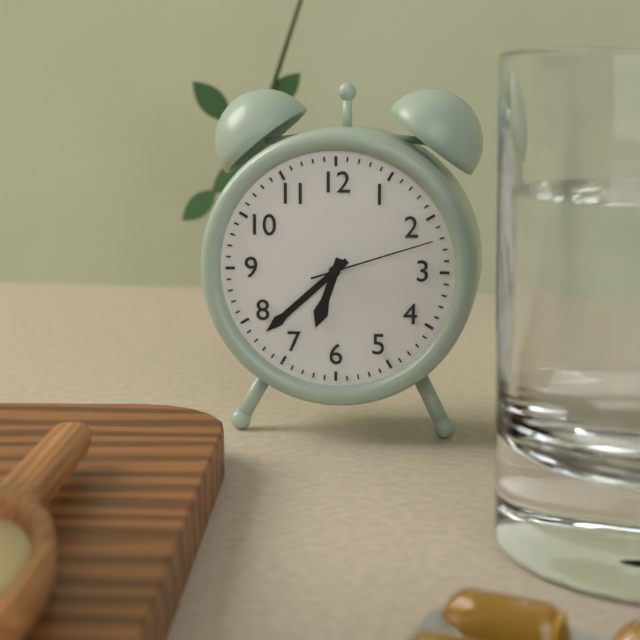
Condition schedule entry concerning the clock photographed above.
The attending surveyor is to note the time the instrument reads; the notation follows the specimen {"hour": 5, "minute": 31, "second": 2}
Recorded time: {"hour": 6, "minute": 38, "second": 12}
